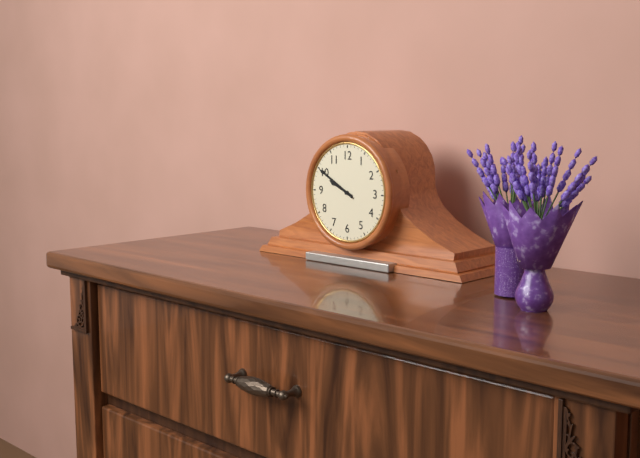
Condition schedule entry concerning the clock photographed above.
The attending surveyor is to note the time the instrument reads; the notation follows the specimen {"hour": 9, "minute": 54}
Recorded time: {"hour": 9, "minute": 50}
